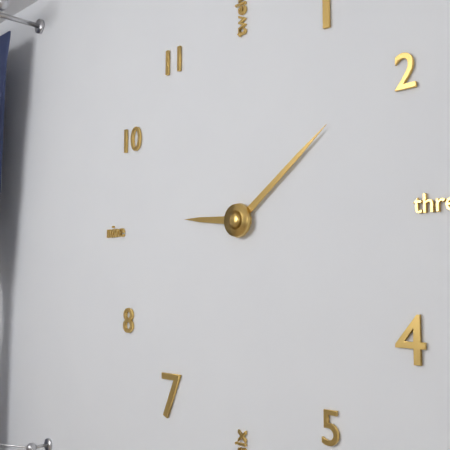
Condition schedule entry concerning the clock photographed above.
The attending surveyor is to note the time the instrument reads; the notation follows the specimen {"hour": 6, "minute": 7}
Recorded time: {"hour": 9, "minute": 9}
